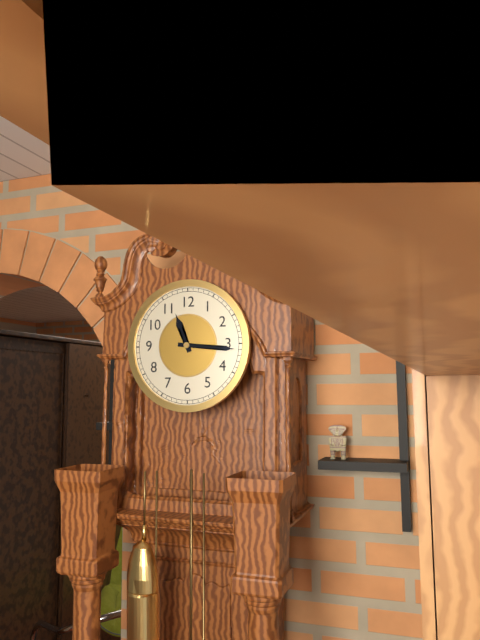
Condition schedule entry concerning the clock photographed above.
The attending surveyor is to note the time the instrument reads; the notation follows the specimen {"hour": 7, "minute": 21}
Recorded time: {"hour": 11, "minute": 16}
